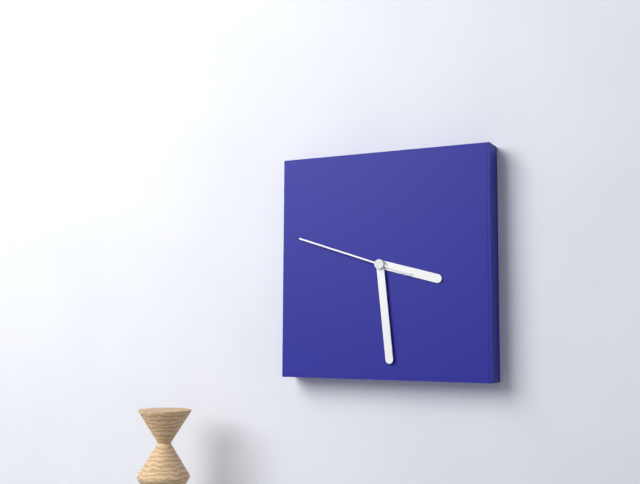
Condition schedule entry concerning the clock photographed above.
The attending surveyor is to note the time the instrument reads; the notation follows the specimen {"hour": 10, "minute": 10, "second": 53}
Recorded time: {"hour": 3, "minute": 29, "second": 48}
